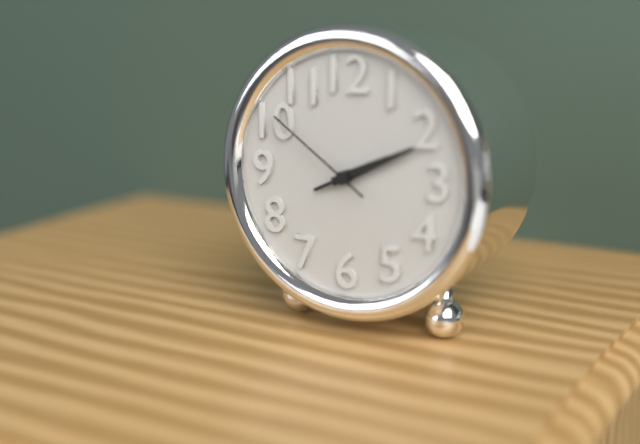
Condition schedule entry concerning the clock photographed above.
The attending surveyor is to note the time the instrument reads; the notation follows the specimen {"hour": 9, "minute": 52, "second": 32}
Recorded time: {"hour": 2, "minute": 11, "second": 51}
